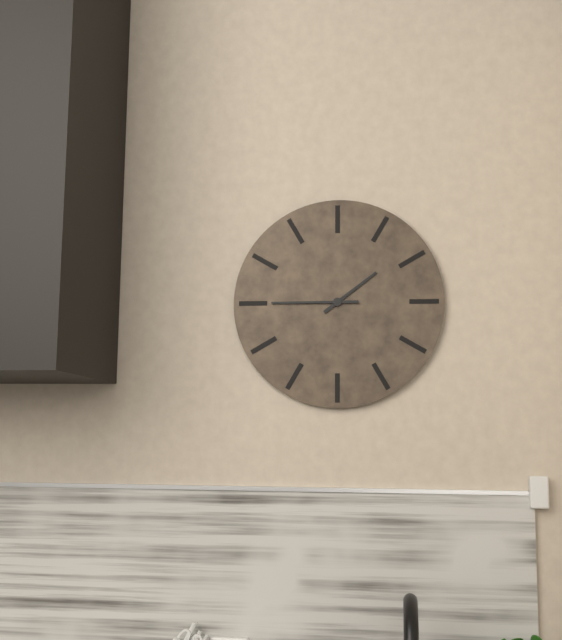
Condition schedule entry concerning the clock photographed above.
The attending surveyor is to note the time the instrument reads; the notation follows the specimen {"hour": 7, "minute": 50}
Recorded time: {"hour": 1, "minute": 45}
